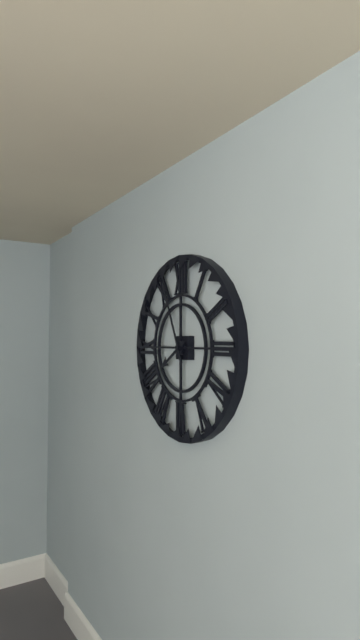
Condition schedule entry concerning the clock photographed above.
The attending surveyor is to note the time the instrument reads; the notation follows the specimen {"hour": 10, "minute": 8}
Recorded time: {"hour": 7, "minute": 56}
